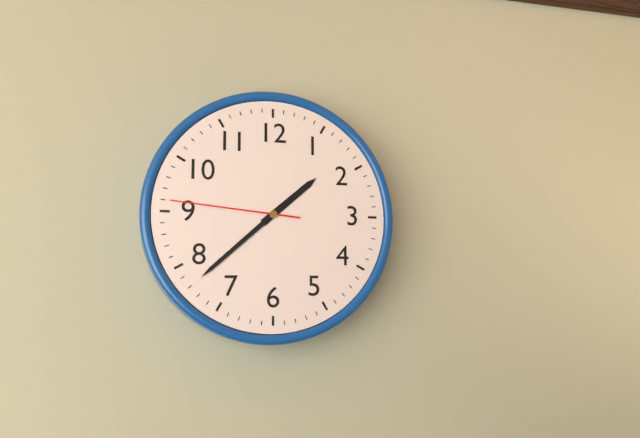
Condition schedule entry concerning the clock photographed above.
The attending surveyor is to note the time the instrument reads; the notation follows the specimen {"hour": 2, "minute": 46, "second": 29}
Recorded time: {"hour": 1, "minute": 38, "second": 46}
